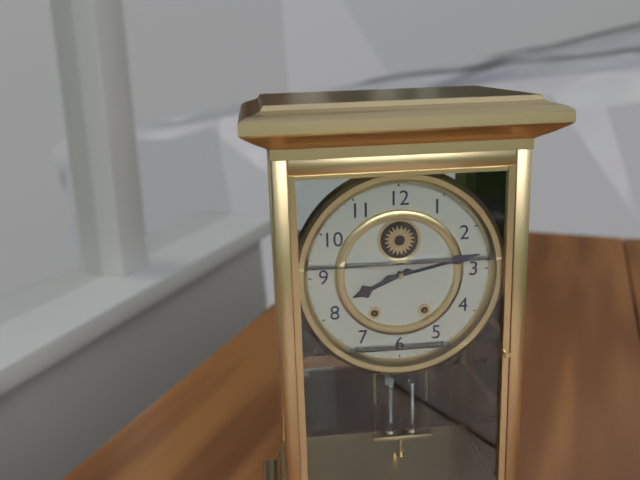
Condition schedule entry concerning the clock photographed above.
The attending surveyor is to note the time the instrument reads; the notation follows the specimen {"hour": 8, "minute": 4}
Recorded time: {"hour": 8, "minute": 13}
